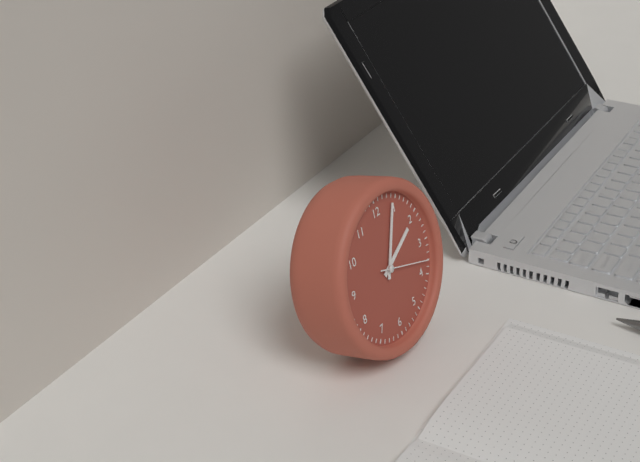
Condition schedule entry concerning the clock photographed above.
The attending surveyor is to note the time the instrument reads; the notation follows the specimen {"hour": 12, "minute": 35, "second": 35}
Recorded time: {"hour": 2, "minute": 4, "second": 18}
